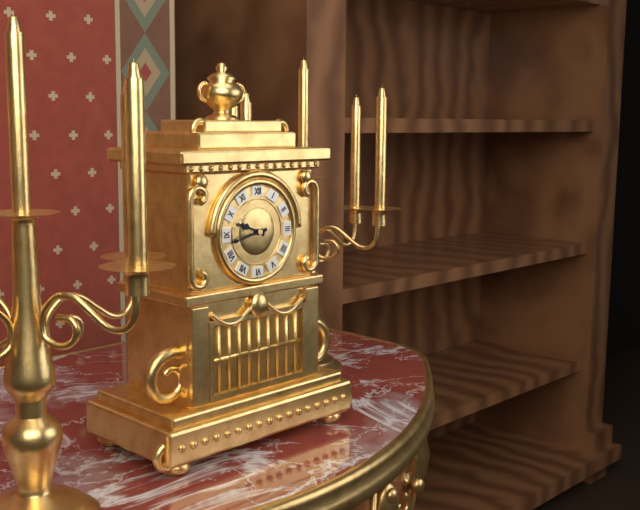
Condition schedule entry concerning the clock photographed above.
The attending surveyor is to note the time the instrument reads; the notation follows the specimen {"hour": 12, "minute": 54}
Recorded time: {"hour": 9, "minute": 43}
